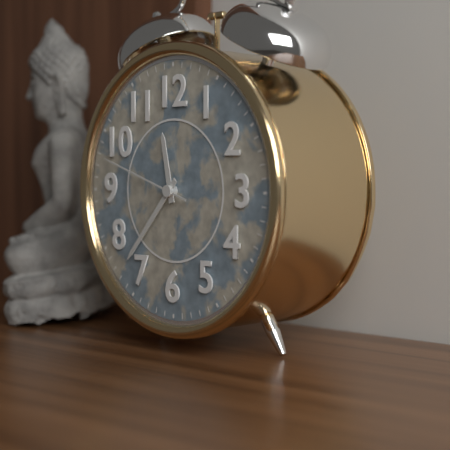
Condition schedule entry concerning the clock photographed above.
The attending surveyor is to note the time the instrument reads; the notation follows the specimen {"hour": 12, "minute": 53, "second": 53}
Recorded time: {"hour": 11, "minute": 37, "second": 48}
